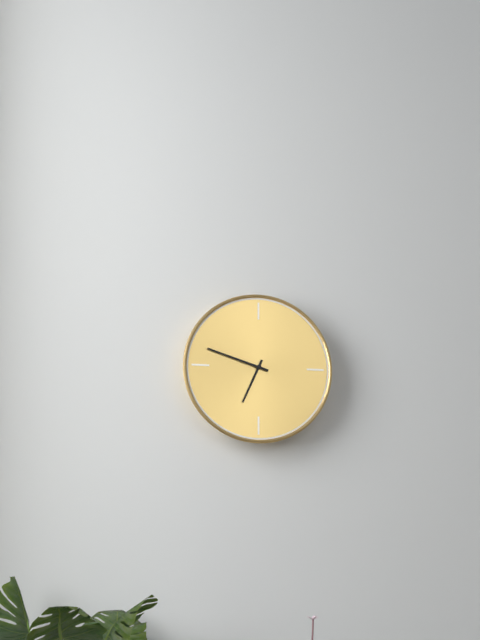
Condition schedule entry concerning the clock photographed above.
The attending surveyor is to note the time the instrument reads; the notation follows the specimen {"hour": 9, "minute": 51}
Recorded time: {"hour": 6, "minute": 48}
